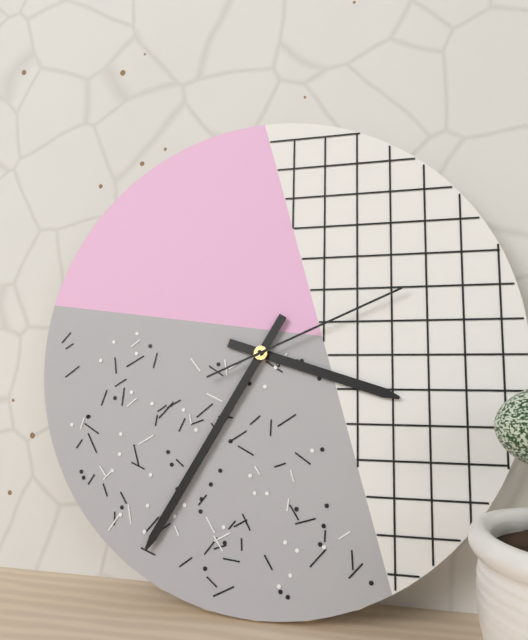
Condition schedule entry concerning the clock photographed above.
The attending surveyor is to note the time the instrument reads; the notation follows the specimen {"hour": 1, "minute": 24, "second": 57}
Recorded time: {"hour": 3, "minute": 35, "second": 11}
